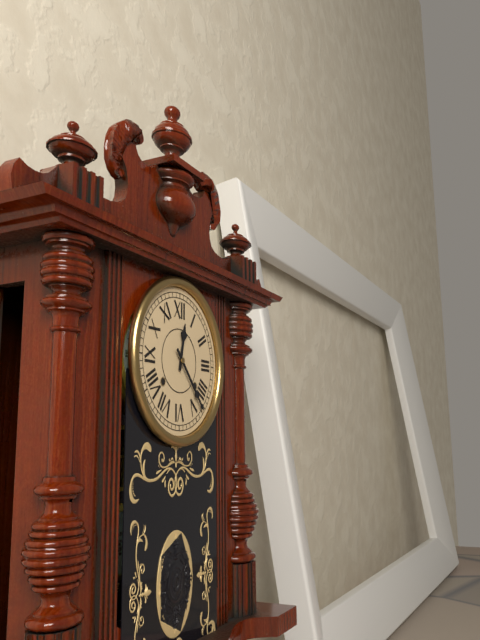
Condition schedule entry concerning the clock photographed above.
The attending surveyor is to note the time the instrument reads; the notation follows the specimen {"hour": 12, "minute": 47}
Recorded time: {"hour": 12, "minute": 23}
